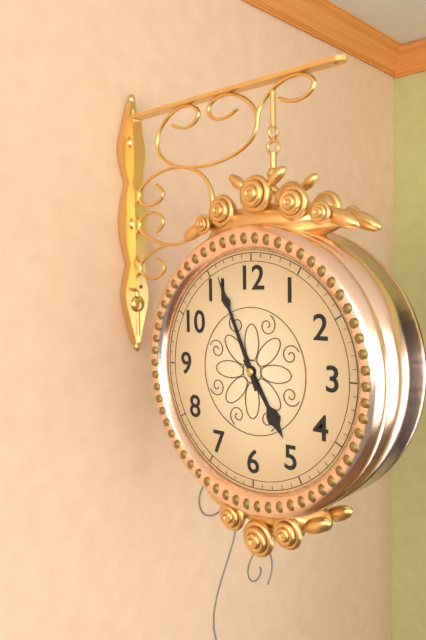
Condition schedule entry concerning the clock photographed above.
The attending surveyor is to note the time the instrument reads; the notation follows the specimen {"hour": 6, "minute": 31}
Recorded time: {"hour": 4, "minute": 56}
